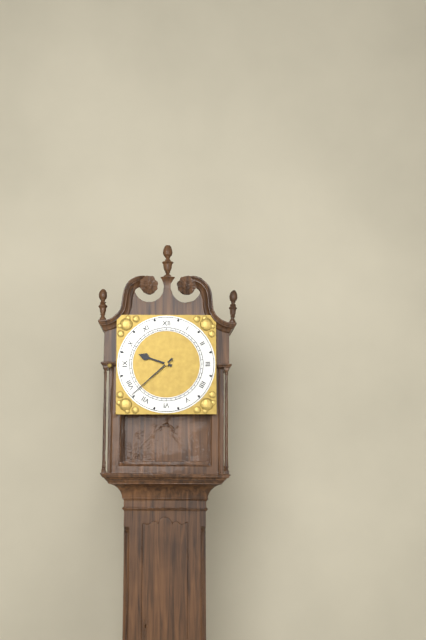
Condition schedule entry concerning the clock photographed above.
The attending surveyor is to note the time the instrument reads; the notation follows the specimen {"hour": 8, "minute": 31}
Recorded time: {"hour": 9, "minute": 38}
